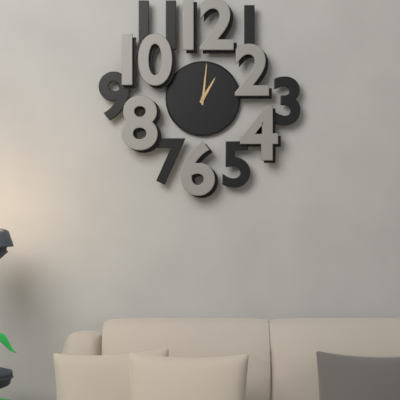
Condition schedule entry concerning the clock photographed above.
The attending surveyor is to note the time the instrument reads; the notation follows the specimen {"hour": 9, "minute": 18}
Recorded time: {"hour": 1, "minute": 1}
